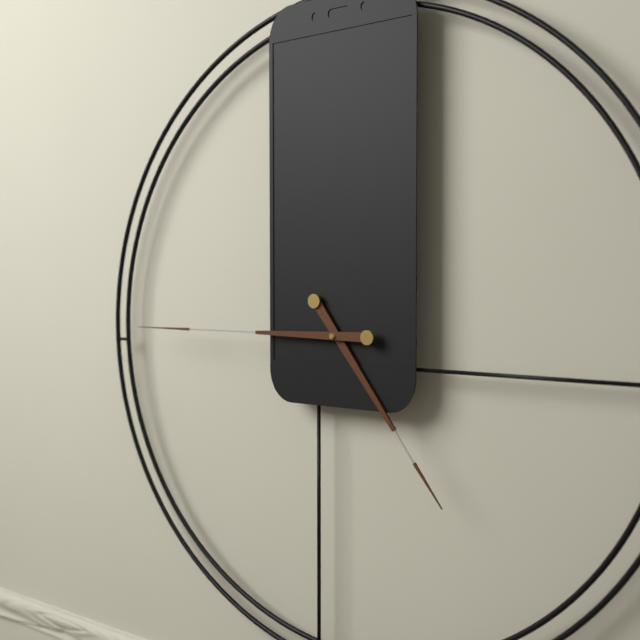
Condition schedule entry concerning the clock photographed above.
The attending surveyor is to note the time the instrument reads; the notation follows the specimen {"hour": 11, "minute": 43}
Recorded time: {"hour": 4, "minute": 45}
